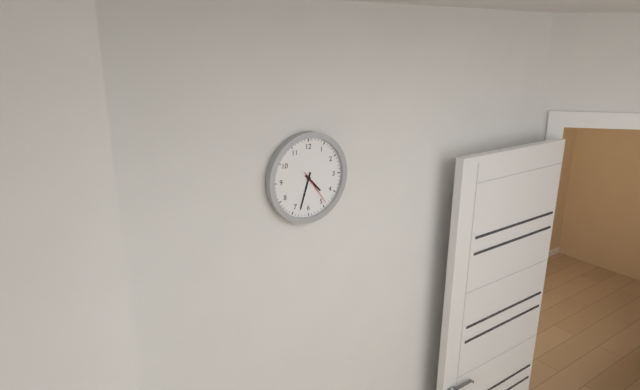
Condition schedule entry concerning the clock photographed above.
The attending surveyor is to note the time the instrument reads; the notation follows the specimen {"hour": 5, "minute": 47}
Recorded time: {"hour": 4, "minute": 33}
